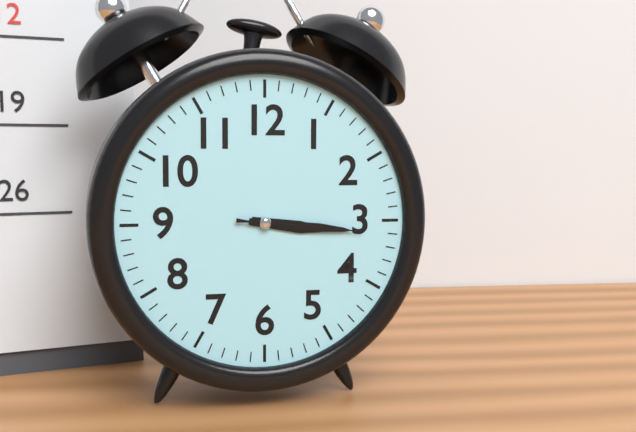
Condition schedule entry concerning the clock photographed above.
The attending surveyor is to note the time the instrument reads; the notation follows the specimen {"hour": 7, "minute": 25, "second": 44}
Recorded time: {"hour": 3, "minute": 16, "second": 16}
